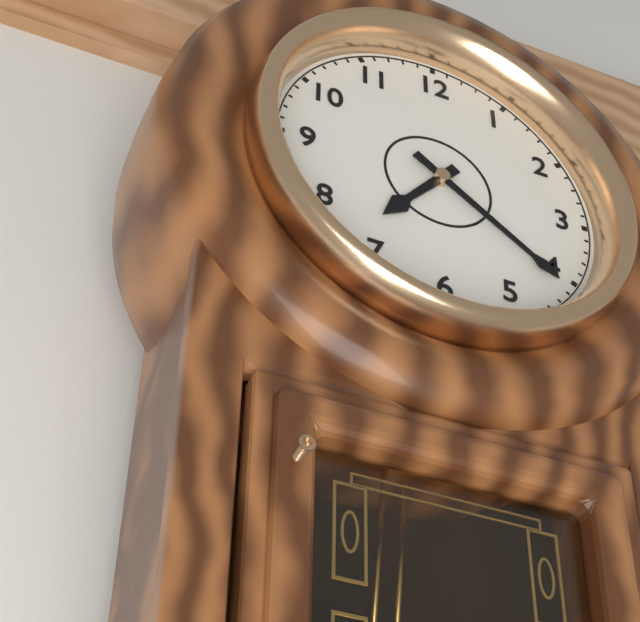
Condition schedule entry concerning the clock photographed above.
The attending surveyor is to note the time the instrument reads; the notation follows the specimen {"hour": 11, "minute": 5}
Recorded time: {"hour": 7, "minute": 21}
